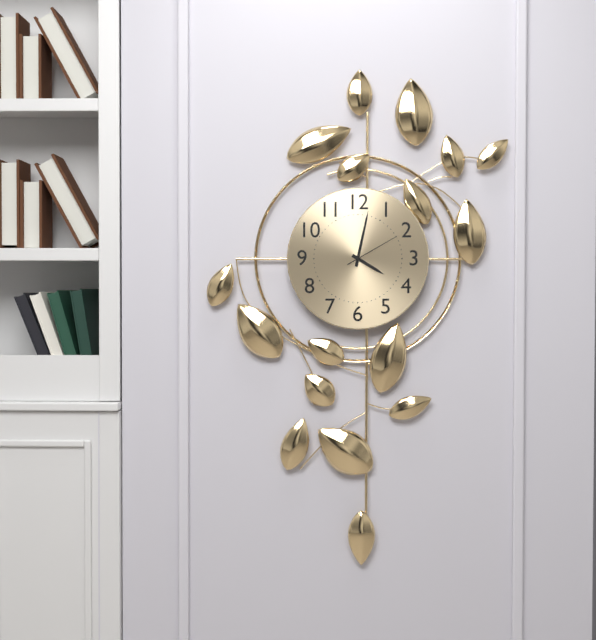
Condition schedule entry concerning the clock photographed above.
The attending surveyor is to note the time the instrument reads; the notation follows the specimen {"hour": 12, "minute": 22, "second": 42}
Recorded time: {"hour": 4, "minute": 2, "second": 10}
